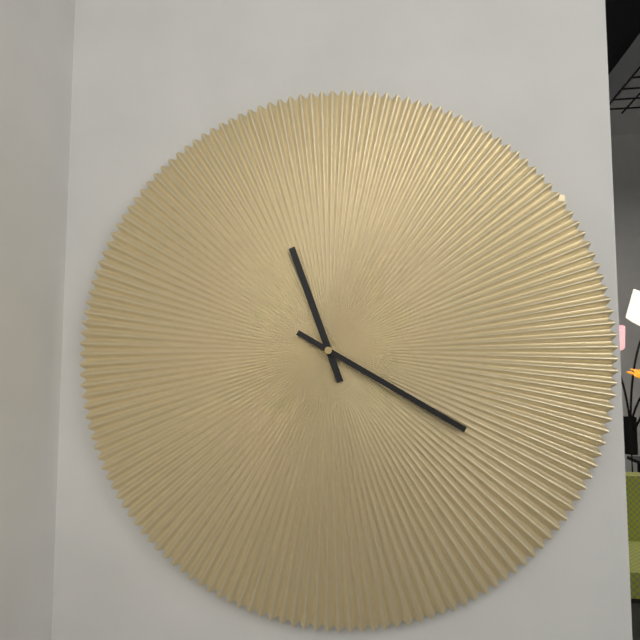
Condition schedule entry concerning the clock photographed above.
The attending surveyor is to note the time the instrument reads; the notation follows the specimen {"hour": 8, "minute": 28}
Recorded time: {"hour": 11, "minute": 20}
